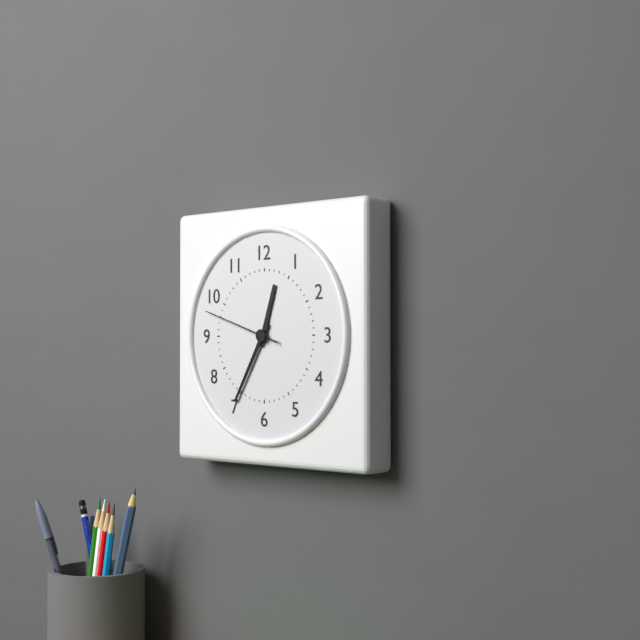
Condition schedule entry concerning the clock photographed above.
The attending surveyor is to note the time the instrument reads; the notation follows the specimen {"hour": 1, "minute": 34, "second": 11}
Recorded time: {"hour": 12, "minute": 35, "second": 48}
